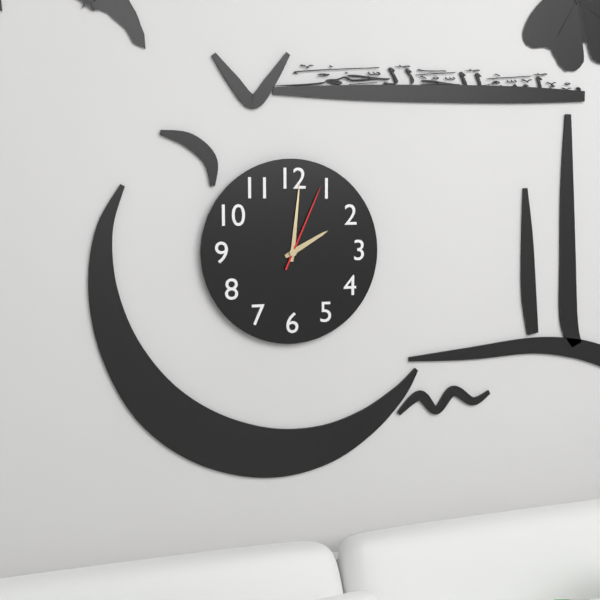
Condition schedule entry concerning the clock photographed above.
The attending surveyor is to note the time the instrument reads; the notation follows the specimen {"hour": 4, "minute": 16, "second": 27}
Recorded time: {"hour": 2, "minute": 1, "second": 4}
